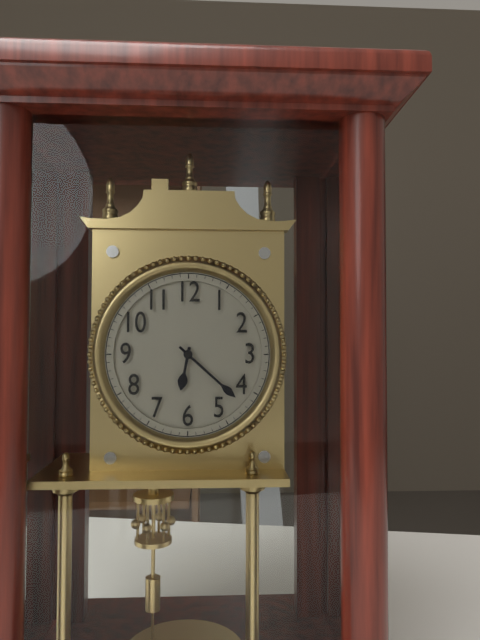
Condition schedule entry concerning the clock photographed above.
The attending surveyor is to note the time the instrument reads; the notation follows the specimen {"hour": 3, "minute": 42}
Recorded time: {"hour": 6, "minute": 22}
